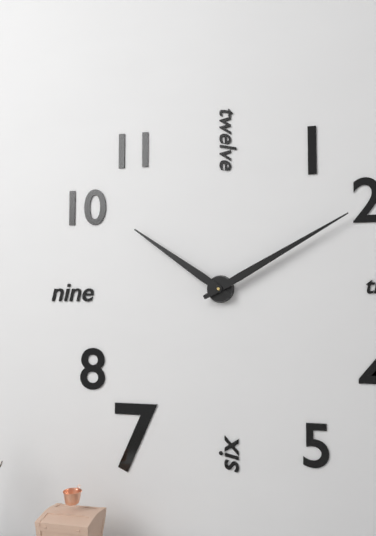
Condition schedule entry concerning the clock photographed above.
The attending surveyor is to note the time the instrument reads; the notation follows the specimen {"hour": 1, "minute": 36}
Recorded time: {"hour": 10, "minute": 10}
